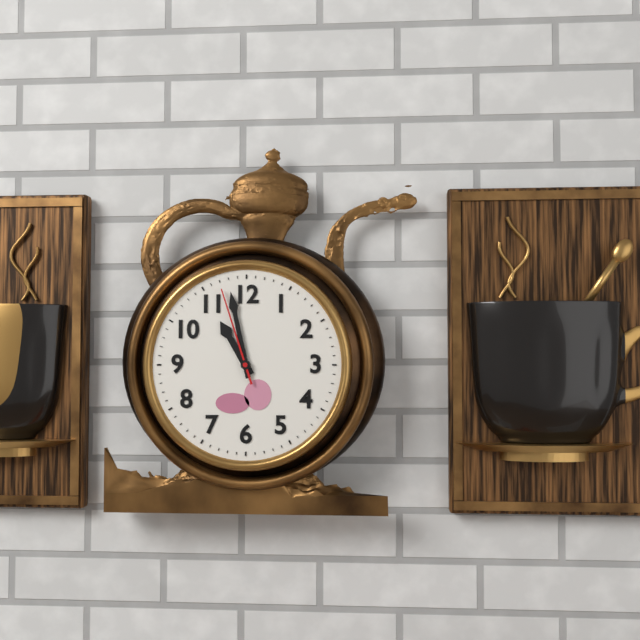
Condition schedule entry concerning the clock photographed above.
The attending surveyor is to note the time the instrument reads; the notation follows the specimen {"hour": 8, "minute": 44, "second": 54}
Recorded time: {"hour": 10, "minute": 58, "second": 57}
